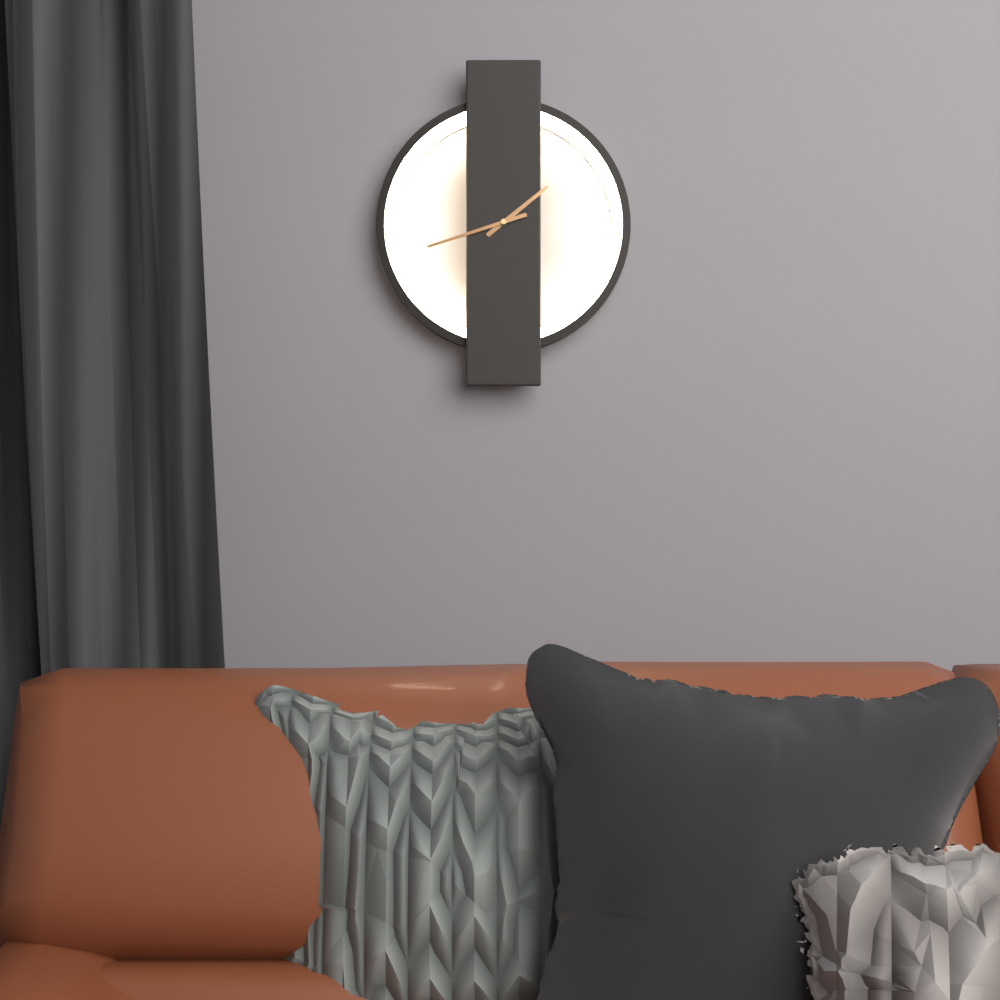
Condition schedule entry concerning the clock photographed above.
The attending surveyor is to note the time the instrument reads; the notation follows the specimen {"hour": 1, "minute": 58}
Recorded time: {"hour": 1, "minute": 42}
